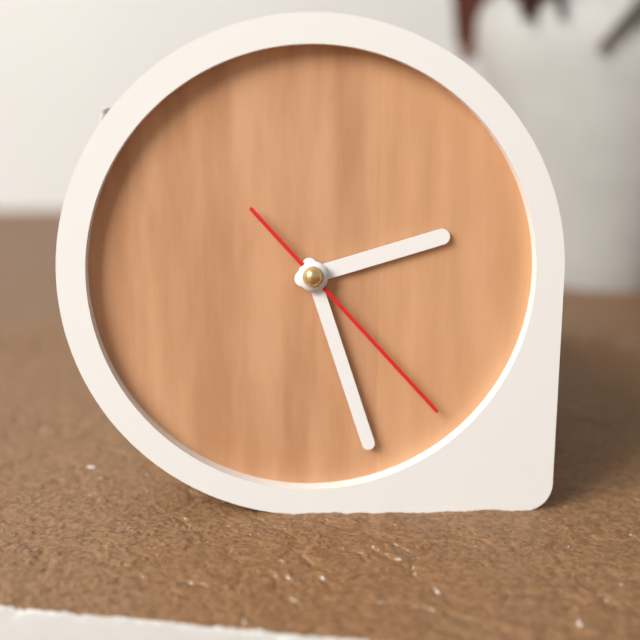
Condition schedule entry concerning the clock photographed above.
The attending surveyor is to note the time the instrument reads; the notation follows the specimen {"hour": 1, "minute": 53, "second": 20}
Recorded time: {"hour": 2, "minute": 27, "second": 23}
